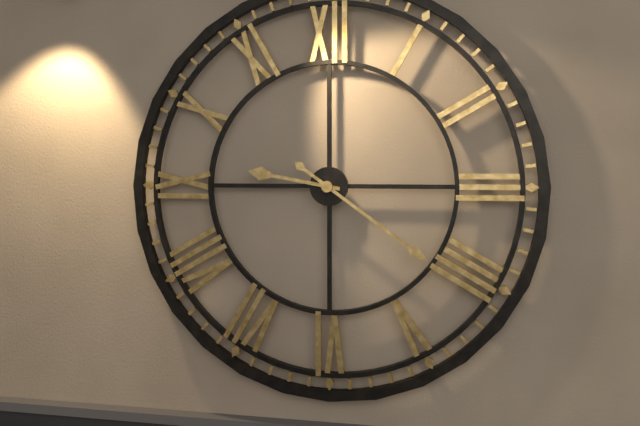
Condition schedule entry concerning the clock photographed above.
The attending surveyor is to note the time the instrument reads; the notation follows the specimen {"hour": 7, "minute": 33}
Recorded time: {"hour": 9, "minute": 21}
